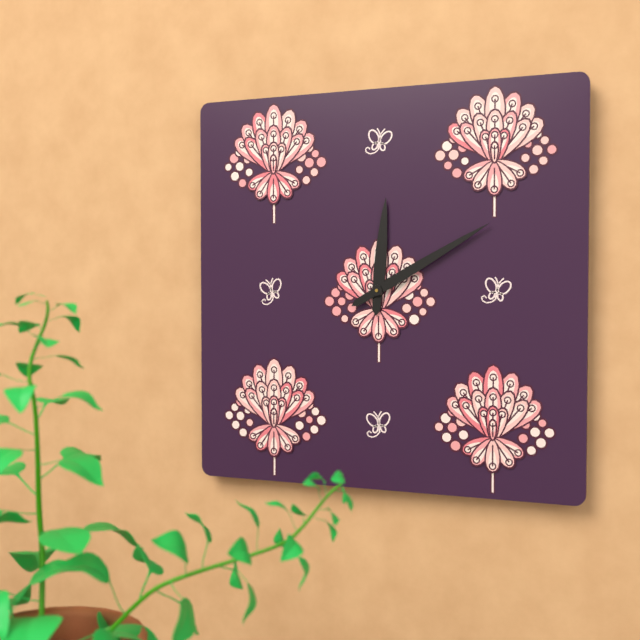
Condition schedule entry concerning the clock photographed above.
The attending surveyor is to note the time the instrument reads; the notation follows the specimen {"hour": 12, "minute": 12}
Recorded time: {"hour": 12, "minute": 10}
